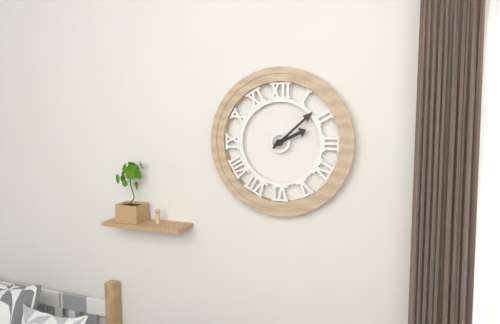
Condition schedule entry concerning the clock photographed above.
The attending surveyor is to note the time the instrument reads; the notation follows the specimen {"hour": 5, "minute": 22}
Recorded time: {"hour": 2, "minute": 8}
